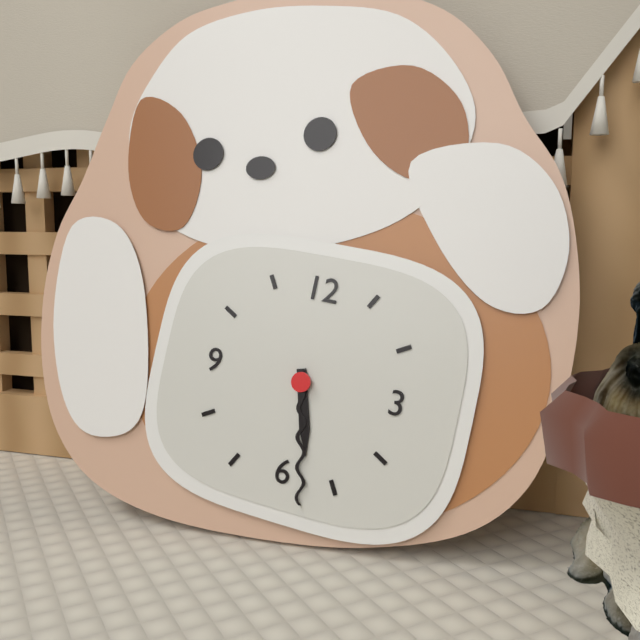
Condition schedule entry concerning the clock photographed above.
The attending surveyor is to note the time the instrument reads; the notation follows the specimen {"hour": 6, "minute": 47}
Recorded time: {"hour": 5, "minute": 28}
